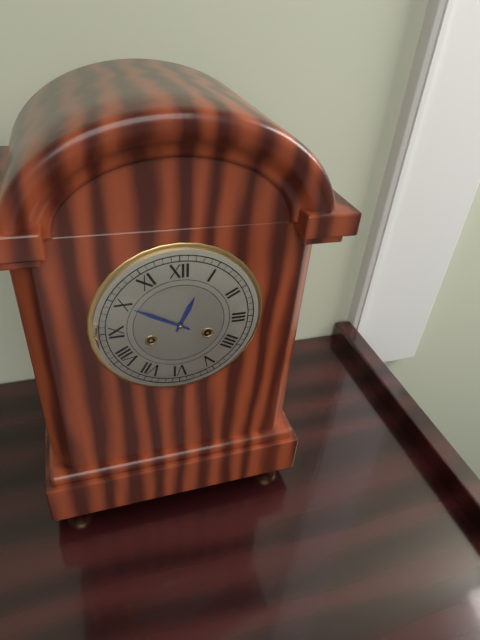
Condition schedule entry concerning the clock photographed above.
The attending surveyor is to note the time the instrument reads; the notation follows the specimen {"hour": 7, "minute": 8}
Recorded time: {"hour": 12, "minute": 50}
